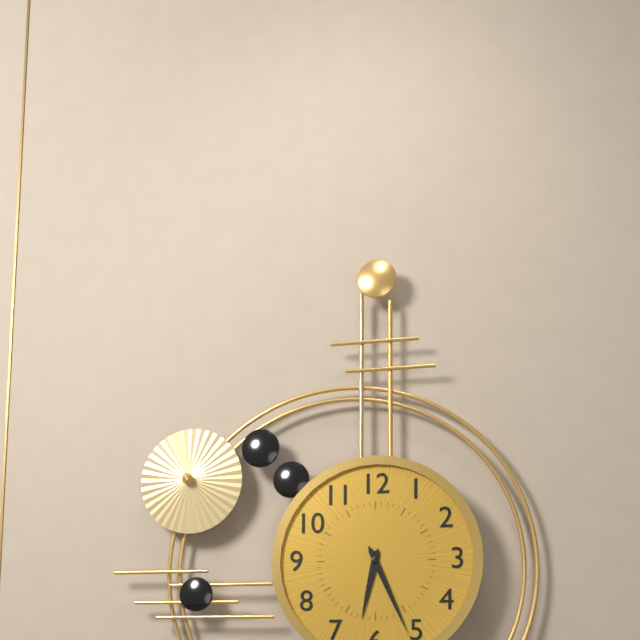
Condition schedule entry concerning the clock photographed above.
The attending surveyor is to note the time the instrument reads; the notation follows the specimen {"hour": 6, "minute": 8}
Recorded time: {"hour": 6, "minute": 26}
